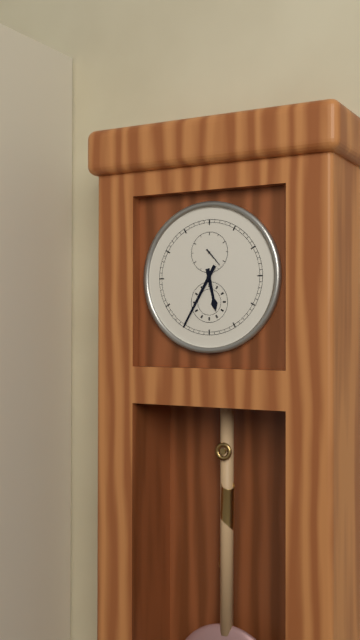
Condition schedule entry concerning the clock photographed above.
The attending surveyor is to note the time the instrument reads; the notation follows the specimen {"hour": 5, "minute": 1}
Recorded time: {"hour": 5, "minute": 35}
